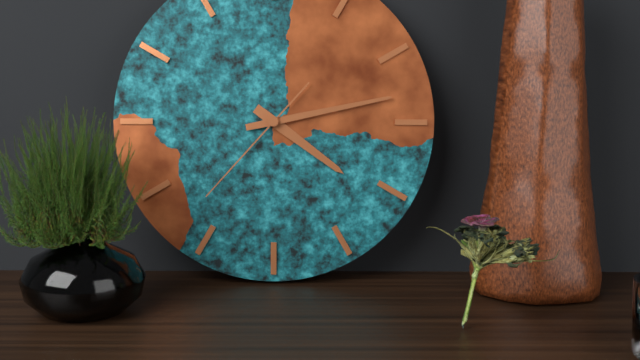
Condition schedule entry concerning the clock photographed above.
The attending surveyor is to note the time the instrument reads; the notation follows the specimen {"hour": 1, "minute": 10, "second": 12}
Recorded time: {"hour": 4, "minute": 13, "second": 37}
